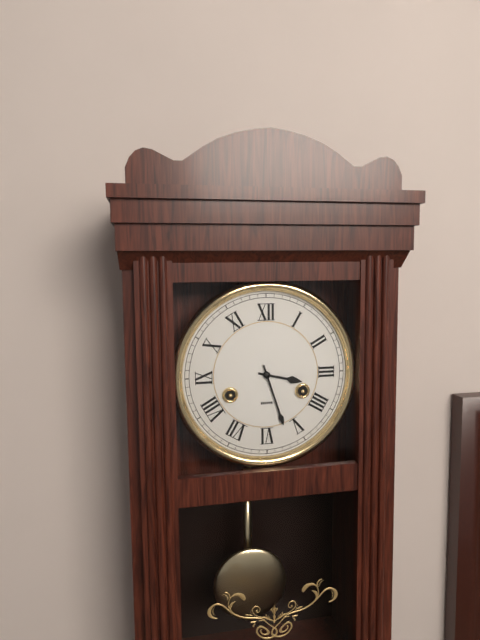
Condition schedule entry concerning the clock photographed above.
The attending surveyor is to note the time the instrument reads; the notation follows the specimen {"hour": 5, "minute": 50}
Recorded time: {"hour": 3, "minute": 27}
